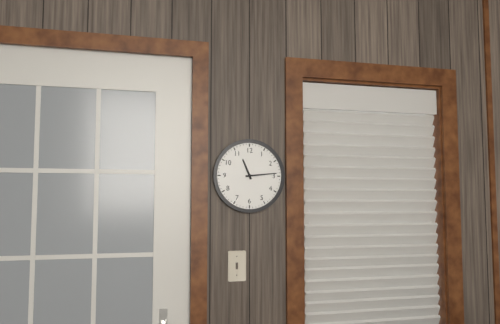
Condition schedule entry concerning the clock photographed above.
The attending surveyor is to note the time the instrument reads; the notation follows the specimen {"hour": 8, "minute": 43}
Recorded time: {"hour": 11, "minute": 14}
